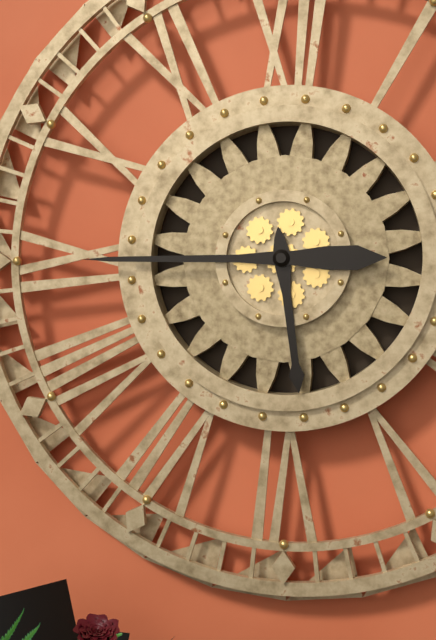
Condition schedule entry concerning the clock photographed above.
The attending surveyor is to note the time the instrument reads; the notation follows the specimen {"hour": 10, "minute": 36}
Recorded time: {"hour": 5, "minute": 45}
